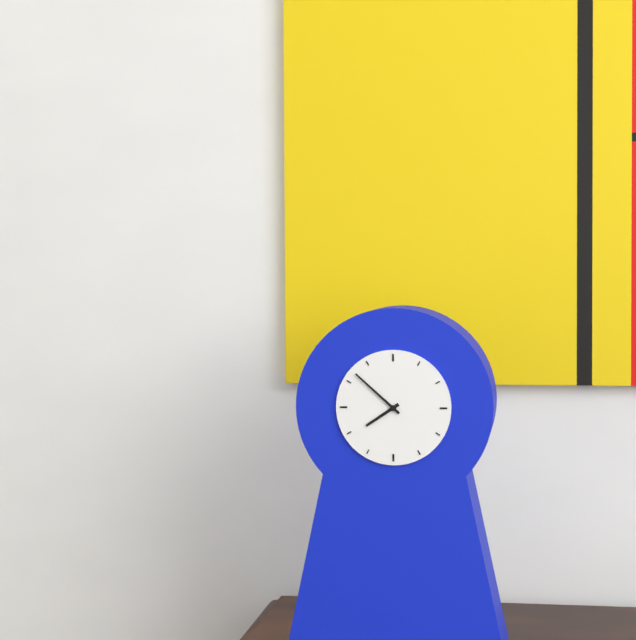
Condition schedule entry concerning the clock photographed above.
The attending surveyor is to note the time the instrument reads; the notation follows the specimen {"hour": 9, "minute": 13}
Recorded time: {"hour": 7, "minute": 52}
